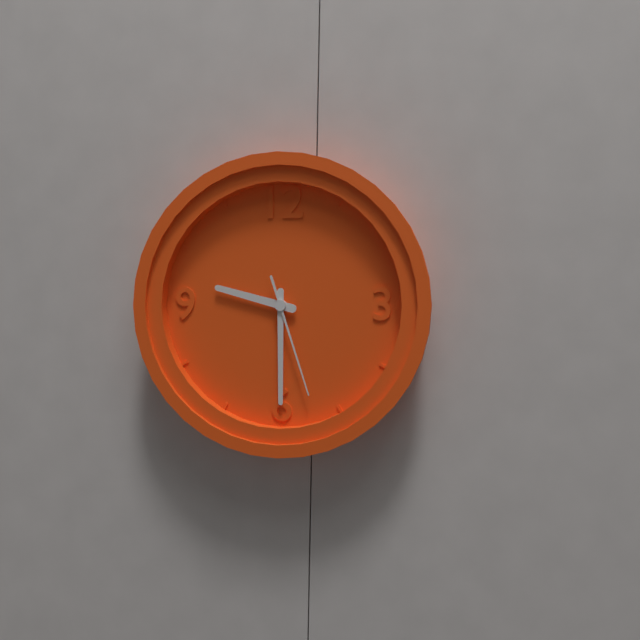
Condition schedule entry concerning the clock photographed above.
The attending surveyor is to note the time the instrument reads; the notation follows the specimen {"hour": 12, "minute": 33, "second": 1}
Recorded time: {"hour": 9, "minute": 30, "second": 27}
